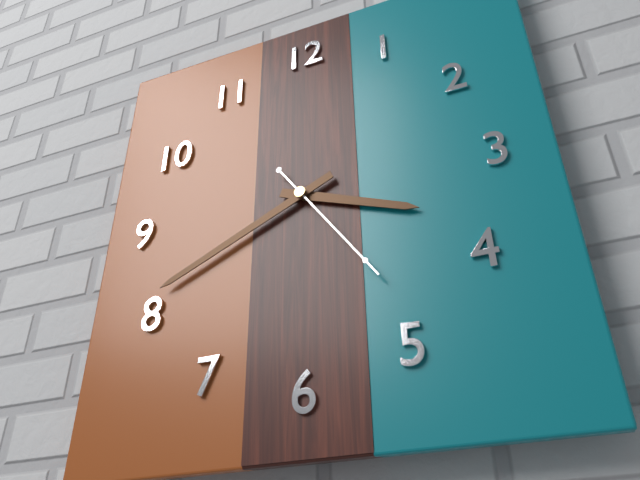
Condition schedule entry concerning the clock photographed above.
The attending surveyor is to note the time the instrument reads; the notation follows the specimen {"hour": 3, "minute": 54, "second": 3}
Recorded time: {"hour": 3, "minute": 41, "second": 24}
